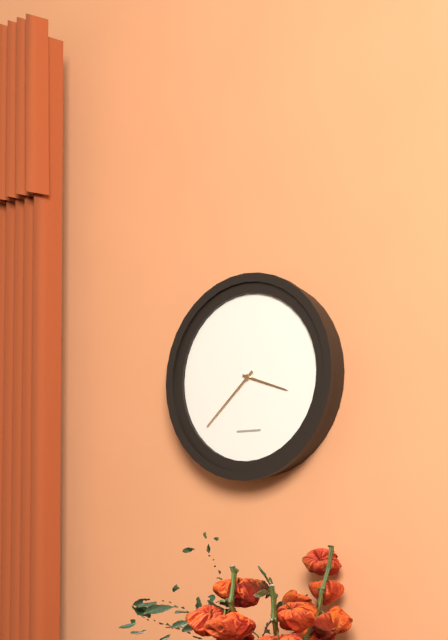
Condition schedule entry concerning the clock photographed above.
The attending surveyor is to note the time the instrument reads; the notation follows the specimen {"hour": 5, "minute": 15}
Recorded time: {"hour": 3, "minute": 38}
